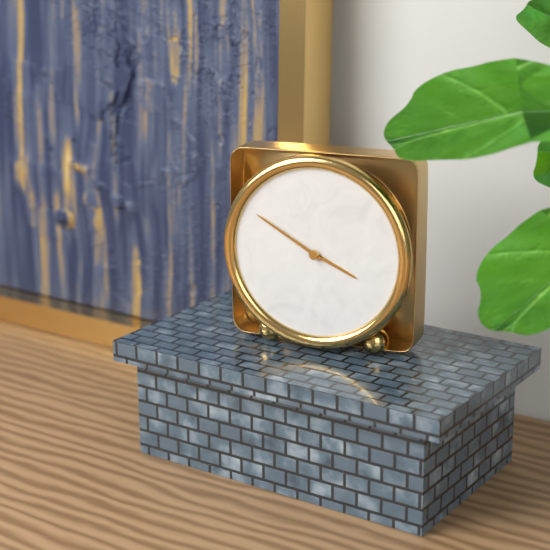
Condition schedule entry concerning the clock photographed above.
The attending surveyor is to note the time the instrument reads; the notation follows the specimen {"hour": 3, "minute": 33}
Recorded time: {"hour": 3, "minute": 50}
